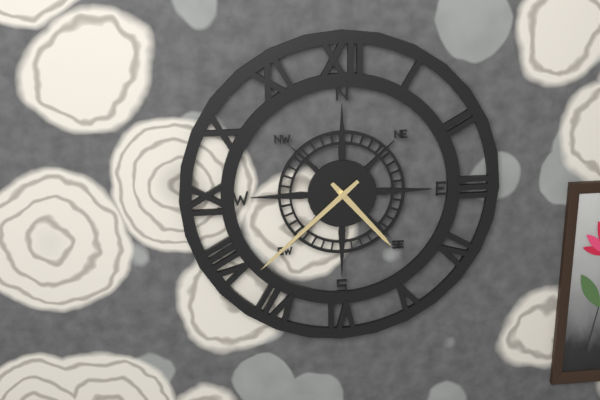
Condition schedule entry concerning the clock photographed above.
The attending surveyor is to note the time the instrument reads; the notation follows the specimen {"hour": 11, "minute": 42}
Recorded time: {"hour": 4, "minute": 38}
